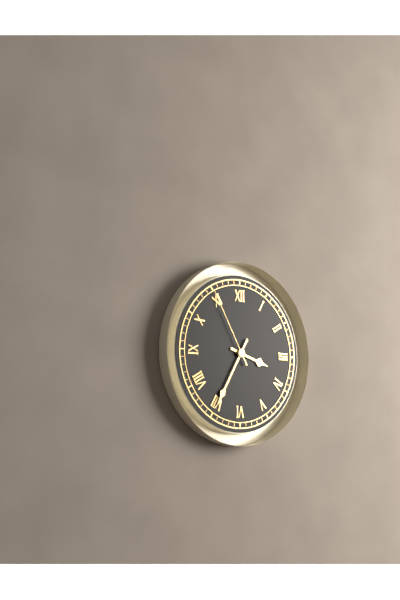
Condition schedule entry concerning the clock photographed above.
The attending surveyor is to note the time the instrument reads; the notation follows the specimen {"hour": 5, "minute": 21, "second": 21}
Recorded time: {"hour": 3, "minute": 35, "second": 55}
